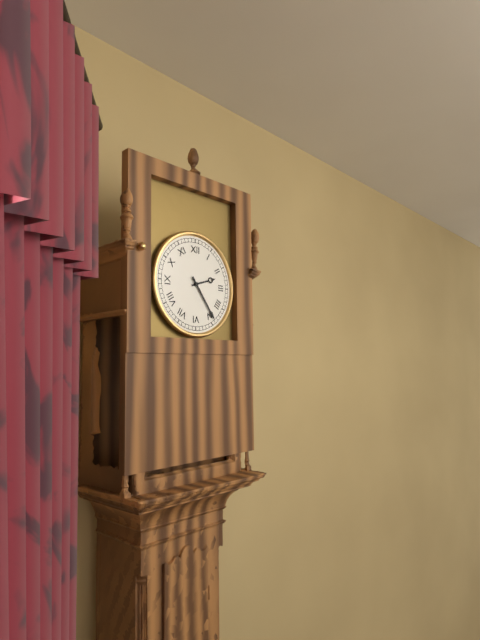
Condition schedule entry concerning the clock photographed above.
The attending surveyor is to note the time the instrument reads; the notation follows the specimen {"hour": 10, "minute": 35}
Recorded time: {"hour": 2, "minute": 24}
